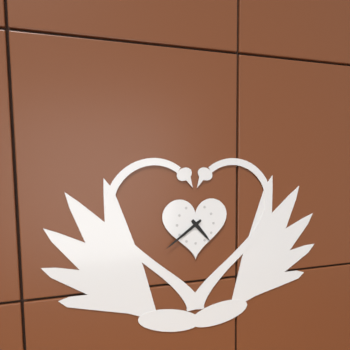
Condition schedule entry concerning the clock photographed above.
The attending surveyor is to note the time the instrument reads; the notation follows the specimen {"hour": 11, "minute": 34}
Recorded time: {"hour": 4, "minute": 39}
